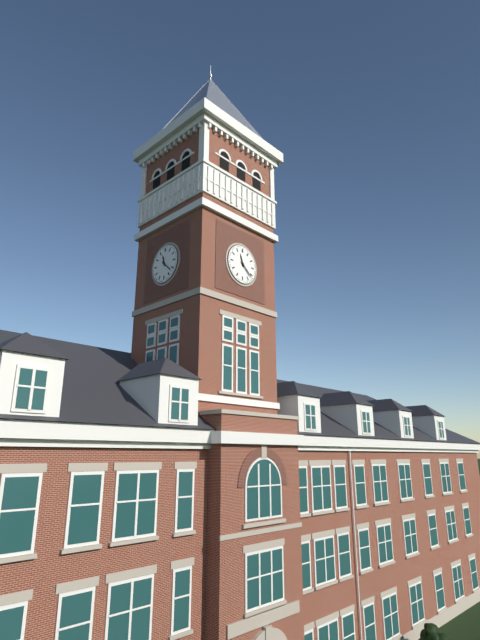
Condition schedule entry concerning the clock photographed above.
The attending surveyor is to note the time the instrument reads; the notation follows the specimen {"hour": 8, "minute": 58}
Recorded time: {"hour": 11, "minute": 22}
